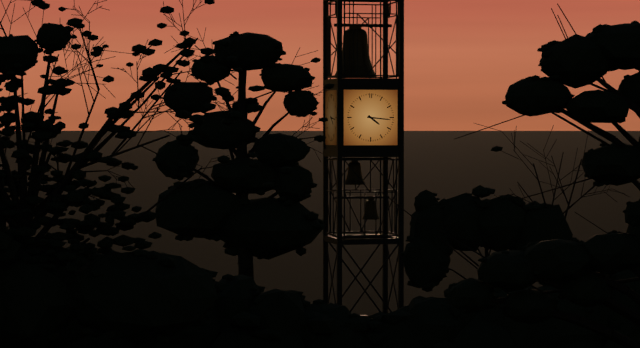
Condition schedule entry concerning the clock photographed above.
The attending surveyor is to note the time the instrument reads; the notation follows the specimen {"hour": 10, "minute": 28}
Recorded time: {"hour": 4, "minute": 16}
